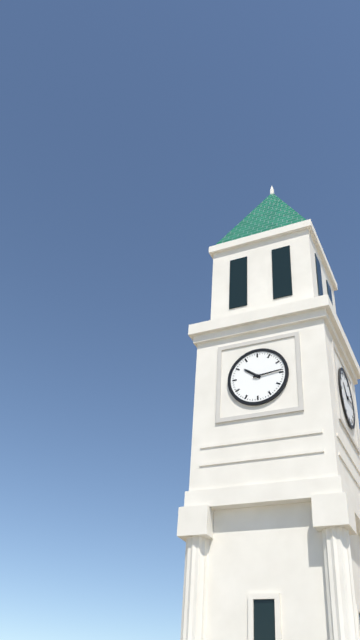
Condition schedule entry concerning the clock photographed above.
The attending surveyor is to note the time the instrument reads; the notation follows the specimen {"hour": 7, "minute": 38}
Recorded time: {"hour": 10, "minute": 14}
